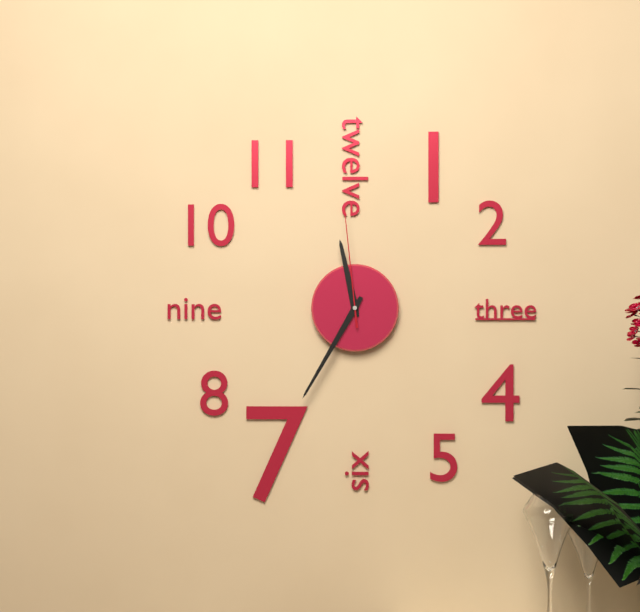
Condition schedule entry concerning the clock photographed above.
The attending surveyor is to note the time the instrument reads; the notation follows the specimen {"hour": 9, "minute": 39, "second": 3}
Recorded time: {"hour": 11, "minute": 35, "second": 59}
